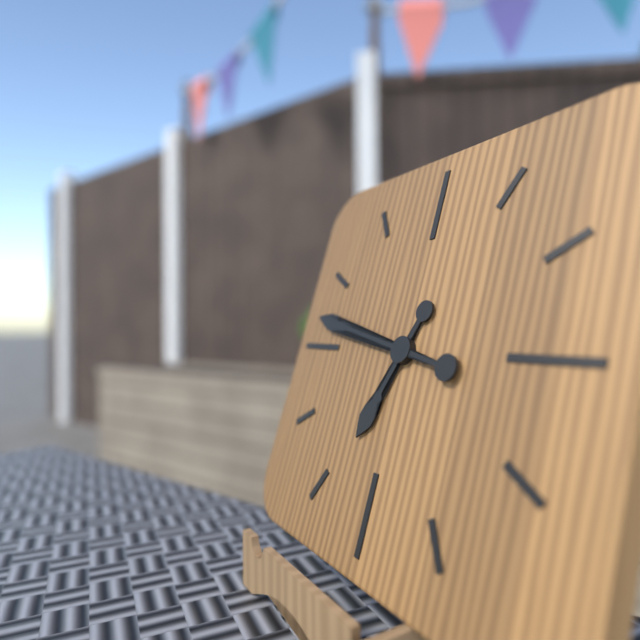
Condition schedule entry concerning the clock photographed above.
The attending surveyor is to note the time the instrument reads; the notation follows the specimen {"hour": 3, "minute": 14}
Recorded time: {"hour": 6, "minute": 47}
